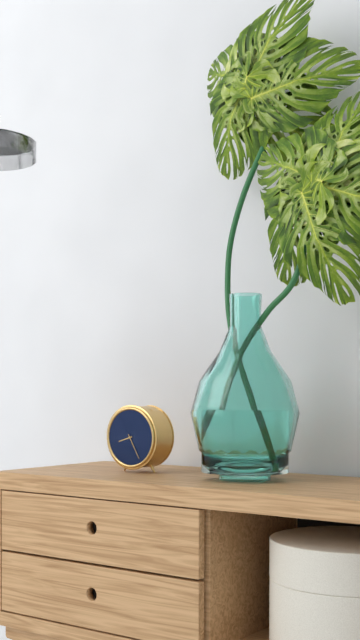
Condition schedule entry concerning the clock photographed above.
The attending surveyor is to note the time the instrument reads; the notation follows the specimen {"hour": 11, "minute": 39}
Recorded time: {"hour": 8, "minute": 25}
